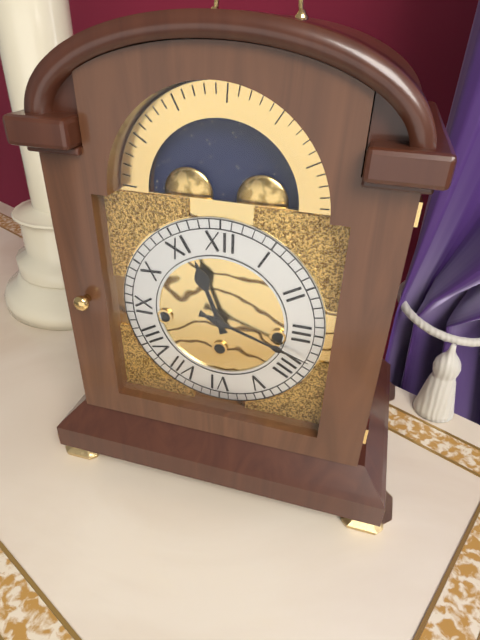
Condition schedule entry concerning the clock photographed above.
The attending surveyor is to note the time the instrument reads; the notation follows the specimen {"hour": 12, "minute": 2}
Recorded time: {"hour": 11, "minute": 18}
